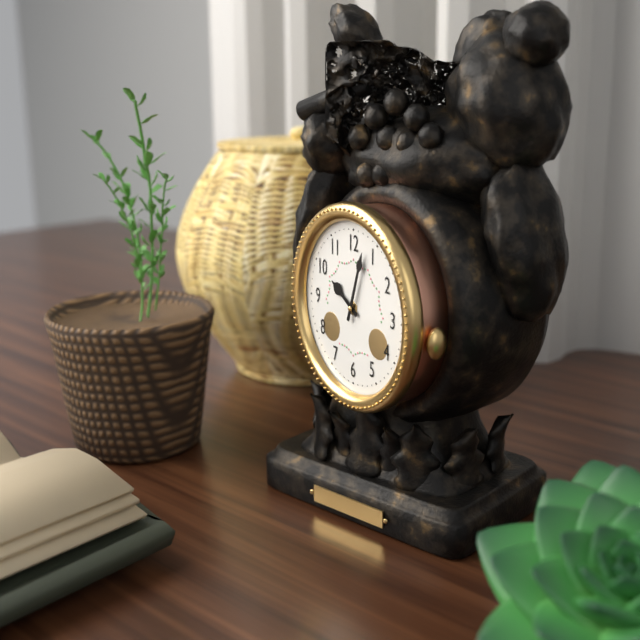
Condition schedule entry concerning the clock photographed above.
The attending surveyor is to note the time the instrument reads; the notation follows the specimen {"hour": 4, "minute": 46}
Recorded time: {"hour": 10, "minute": 3}
